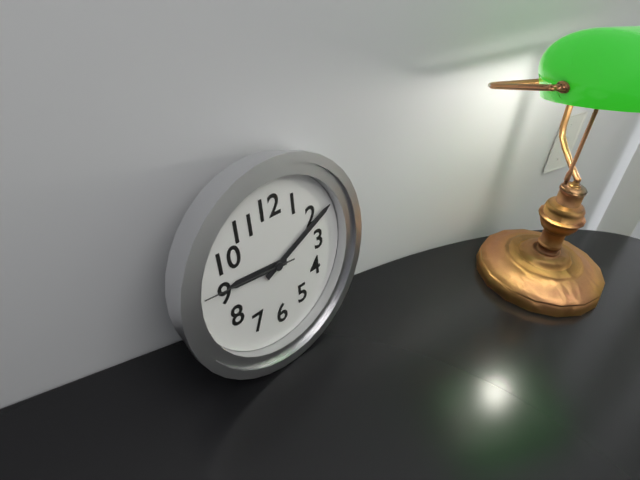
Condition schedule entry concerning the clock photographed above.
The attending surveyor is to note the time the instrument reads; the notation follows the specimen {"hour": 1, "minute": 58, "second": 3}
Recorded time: {"hour": 9, "minute": 11, "second": 46}
